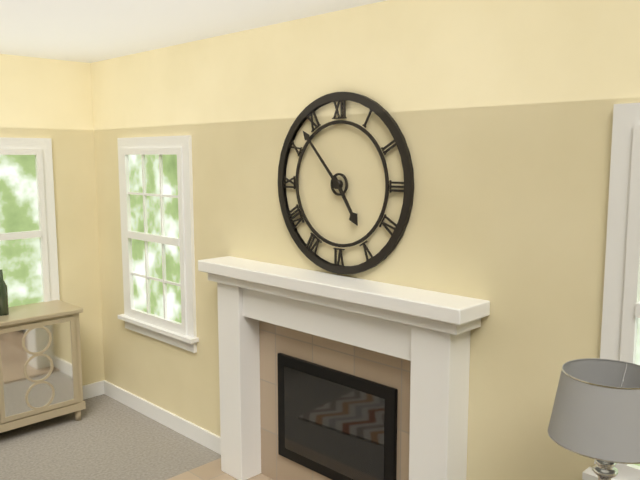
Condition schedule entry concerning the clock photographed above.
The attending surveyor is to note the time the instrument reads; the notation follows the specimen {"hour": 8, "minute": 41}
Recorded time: {"hour": 4, "minute": 53}
